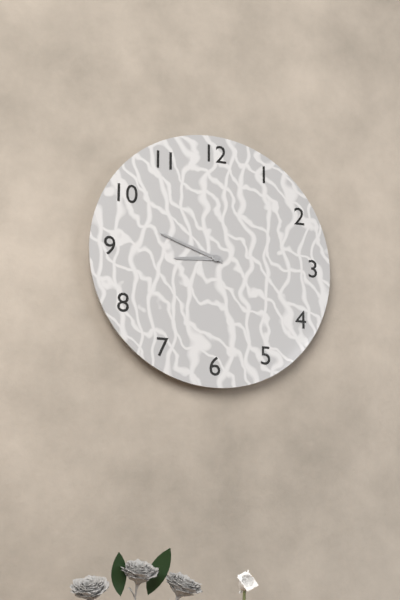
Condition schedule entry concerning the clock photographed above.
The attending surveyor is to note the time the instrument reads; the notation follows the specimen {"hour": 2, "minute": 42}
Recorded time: {"hour": 8, "minute": 48}
